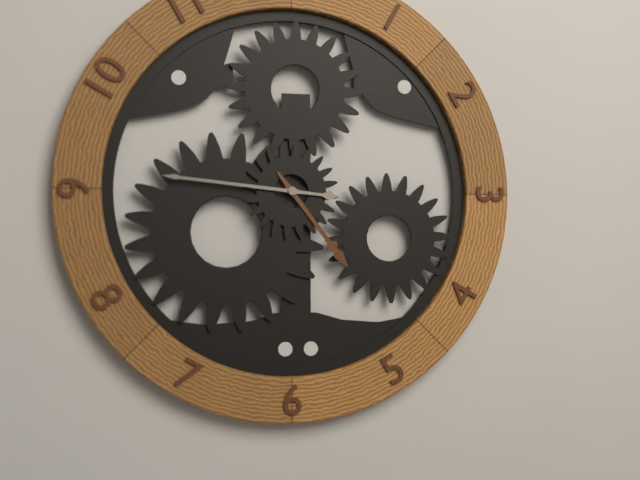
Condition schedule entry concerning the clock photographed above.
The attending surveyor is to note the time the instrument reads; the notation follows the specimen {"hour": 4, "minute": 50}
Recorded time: {"hour": 4, "minute": 46}
